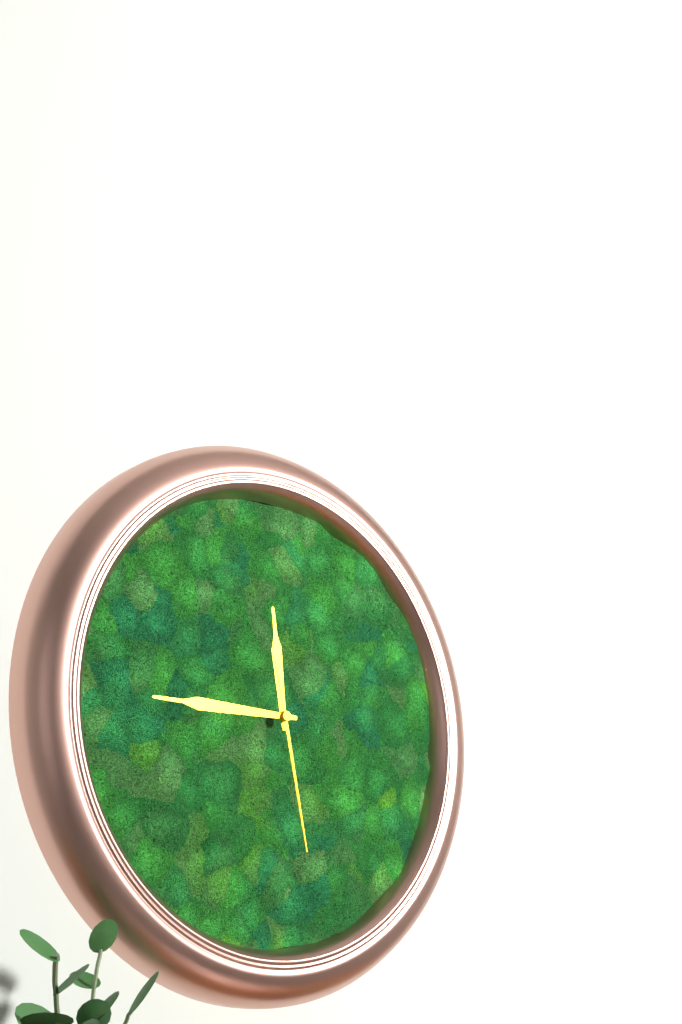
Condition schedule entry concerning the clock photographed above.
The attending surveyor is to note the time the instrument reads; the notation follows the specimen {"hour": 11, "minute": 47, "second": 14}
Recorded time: {"hour": 11, "minute": 45, "second": 28}
